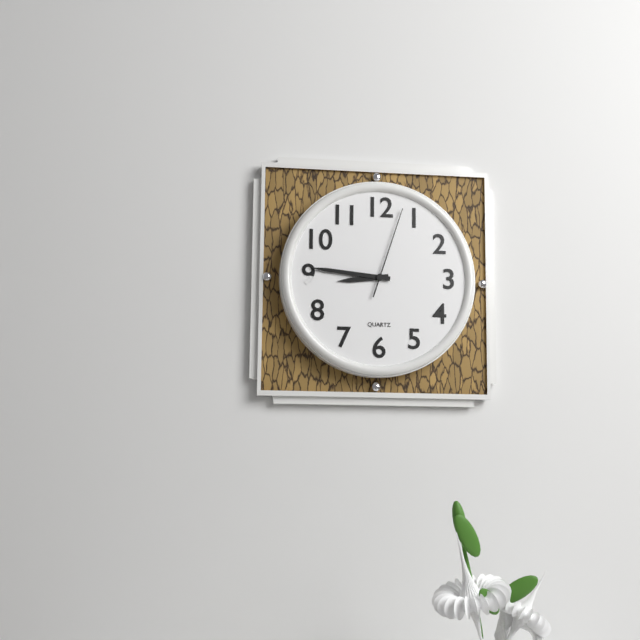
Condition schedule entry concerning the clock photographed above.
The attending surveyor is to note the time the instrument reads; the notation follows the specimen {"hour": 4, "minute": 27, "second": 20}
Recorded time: {"hour": 8, "minute": 46, "second": 3}
